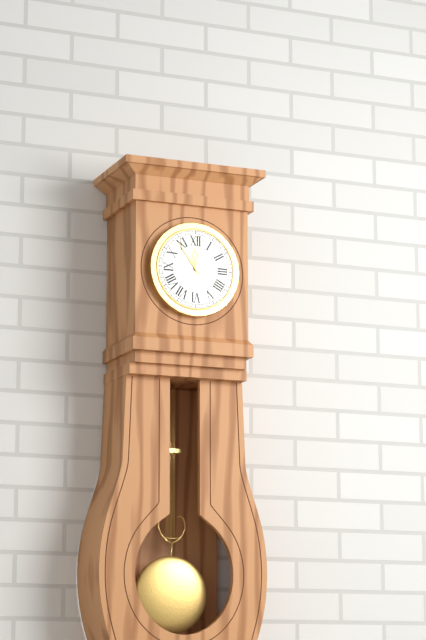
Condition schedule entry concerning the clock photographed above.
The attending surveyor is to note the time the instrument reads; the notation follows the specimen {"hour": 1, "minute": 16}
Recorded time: {"hour": 11, "minute": 54}
